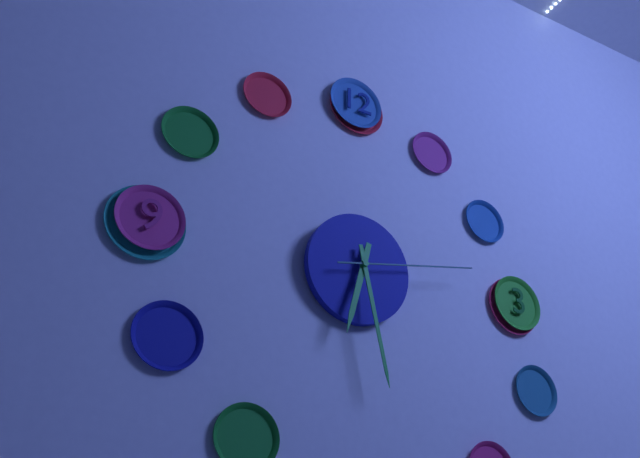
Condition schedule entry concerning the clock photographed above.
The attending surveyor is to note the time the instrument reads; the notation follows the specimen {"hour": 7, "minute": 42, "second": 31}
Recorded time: {"hour": 6, "minute": 28, "second": 13}
